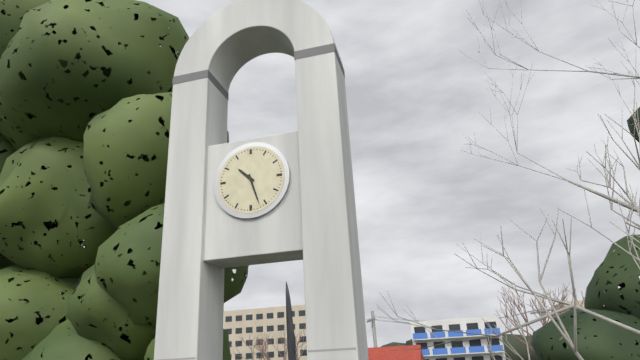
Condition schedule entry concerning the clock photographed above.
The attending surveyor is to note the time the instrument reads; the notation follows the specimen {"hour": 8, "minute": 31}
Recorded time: {"hour": 10, "minute": 27}
